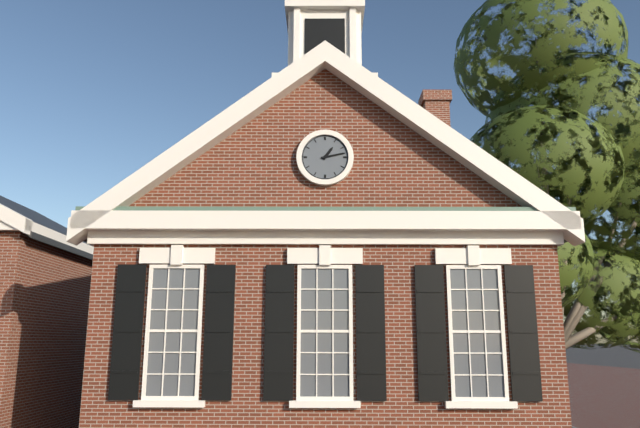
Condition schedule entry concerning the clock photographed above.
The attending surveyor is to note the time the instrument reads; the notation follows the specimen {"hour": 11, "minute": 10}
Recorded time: {"hour": 1, "minute": 13}
